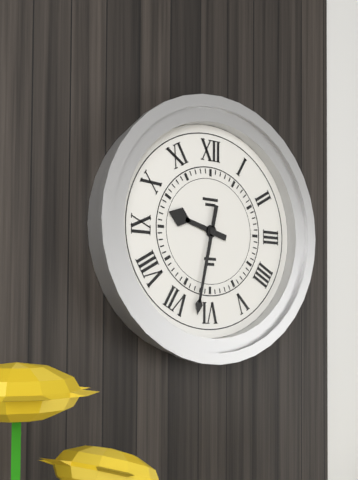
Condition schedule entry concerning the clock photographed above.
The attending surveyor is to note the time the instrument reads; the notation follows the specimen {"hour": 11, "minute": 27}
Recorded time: {"hour": 9, "minute": 32}
